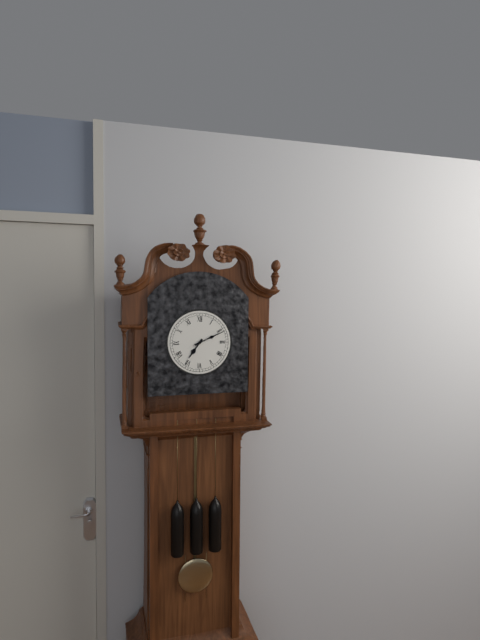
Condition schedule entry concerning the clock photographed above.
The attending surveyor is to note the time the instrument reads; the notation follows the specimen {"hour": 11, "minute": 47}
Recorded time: {"hour": 7, "minute": 11}
